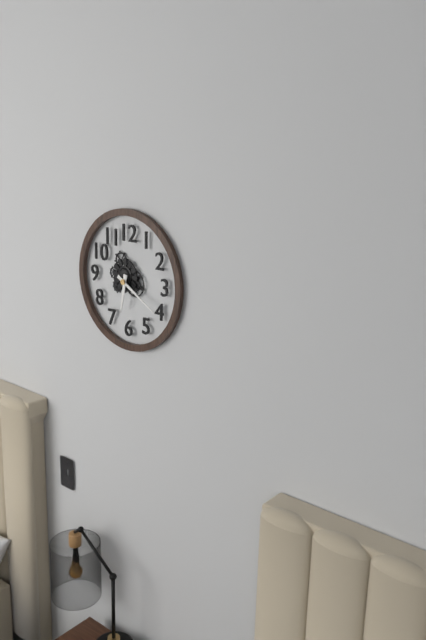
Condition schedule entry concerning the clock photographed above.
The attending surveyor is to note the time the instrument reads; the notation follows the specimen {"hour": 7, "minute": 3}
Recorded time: {"hour": 6, "minute": 20}
